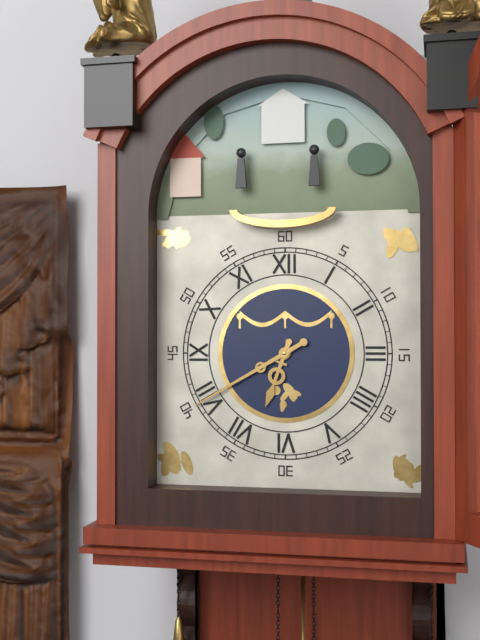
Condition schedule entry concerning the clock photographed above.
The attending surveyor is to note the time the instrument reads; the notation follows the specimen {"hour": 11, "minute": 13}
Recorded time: {"hour": 6, "minute": 40}
